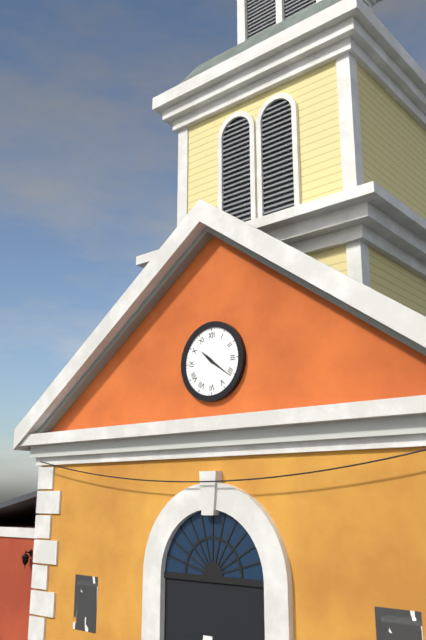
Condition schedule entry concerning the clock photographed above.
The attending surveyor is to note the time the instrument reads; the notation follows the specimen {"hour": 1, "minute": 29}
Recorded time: {"hour": 10, "minute": 21}
